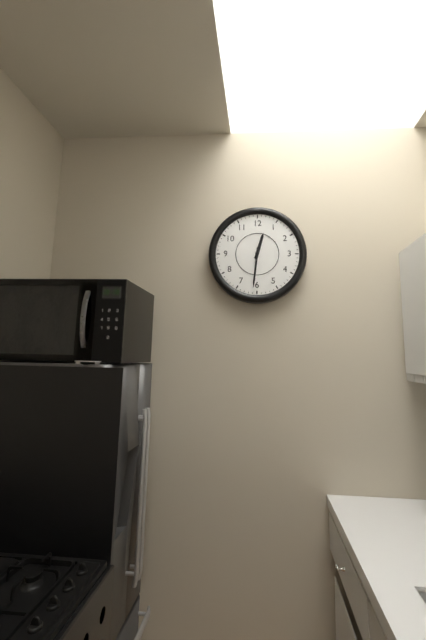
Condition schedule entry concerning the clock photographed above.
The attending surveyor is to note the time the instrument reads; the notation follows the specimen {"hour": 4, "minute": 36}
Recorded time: {"hour": 12, "minute": 31}
